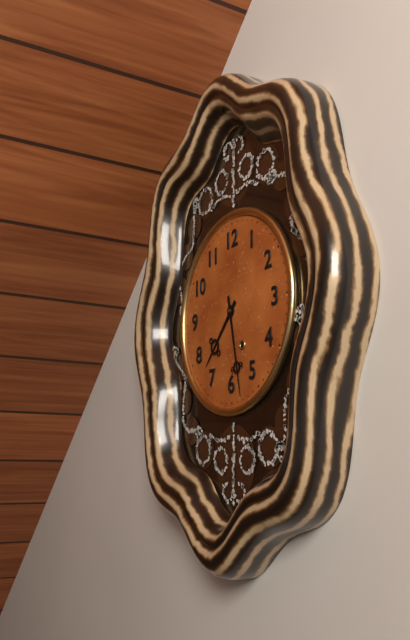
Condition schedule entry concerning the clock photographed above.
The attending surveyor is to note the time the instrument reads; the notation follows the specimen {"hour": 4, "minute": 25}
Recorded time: {"hour": 7, "minute": 28}
